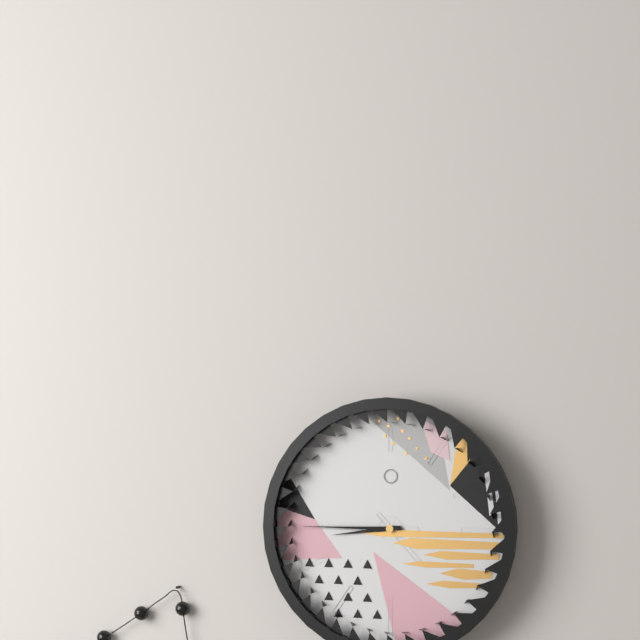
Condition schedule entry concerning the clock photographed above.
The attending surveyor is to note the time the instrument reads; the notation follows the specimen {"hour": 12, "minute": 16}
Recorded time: {"hour": 8, "minute": 45}
